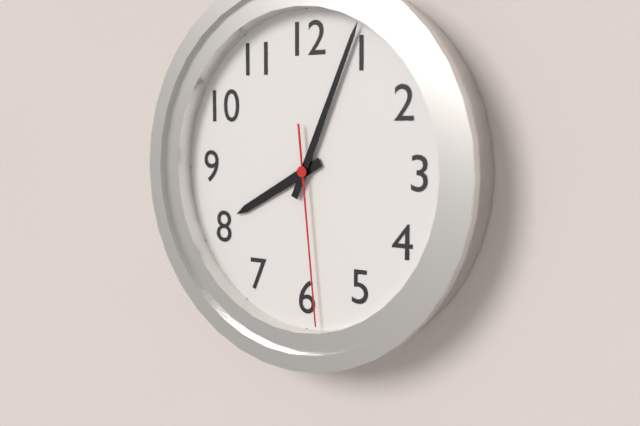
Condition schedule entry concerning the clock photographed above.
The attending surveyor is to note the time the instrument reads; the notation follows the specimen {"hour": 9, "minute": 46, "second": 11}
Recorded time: {"hour": 8, "minute": 4, "second": 29}
